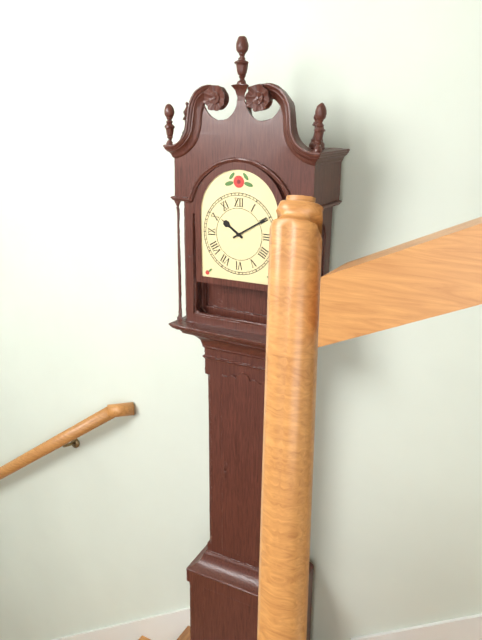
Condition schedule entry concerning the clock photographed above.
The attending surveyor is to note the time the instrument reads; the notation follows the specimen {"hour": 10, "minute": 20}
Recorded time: {"hour": 10, "minute": 10}
